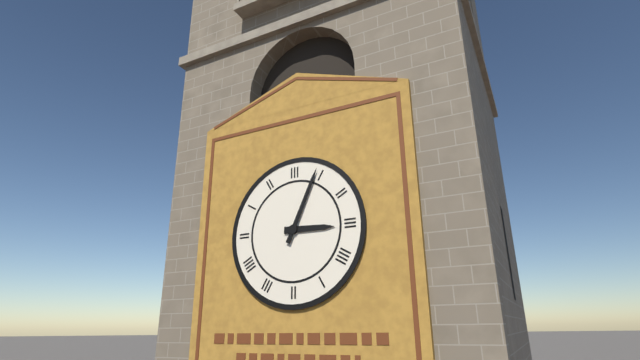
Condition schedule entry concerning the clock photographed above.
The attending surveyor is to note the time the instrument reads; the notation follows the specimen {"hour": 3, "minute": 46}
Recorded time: {"hour": 3, "minute": 4}
